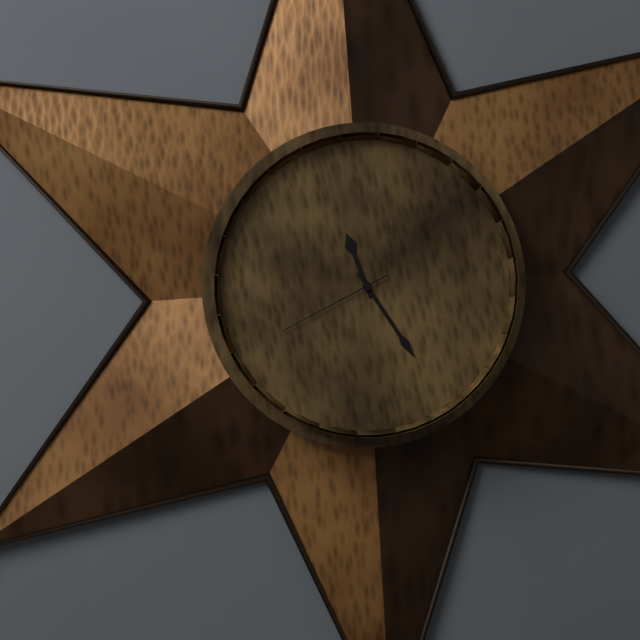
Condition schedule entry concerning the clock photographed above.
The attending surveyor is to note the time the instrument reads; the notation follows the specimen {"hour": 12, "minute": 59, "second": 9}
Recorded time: {"hour": 11, "minute": 25, "second": 41}
